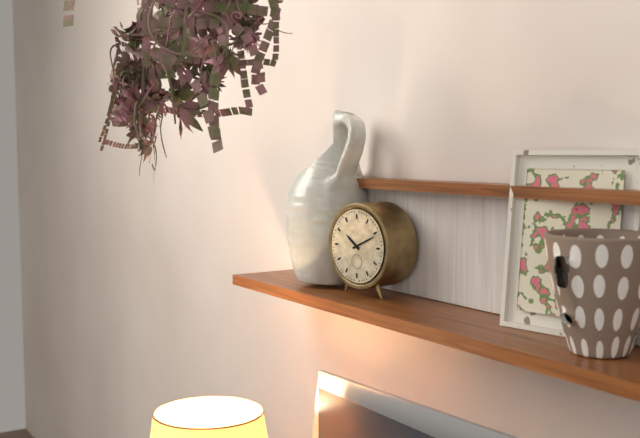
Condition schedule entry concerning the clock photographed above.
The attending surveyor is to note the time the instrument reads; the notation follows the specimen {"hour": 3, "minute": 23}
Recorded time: {"hour": 10, "minute": 11}
